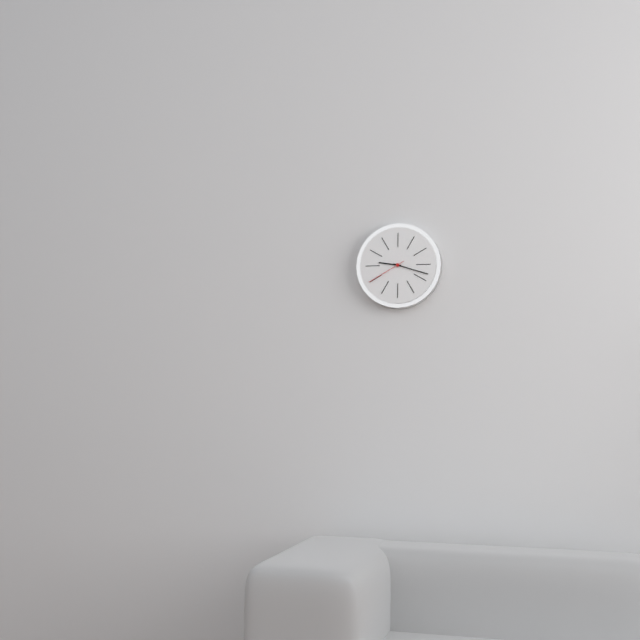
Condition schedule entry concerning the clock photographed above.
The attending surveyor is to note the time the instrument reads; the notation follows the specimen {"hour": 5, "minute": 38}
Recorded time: {"hour": 9, "minute": 18}
